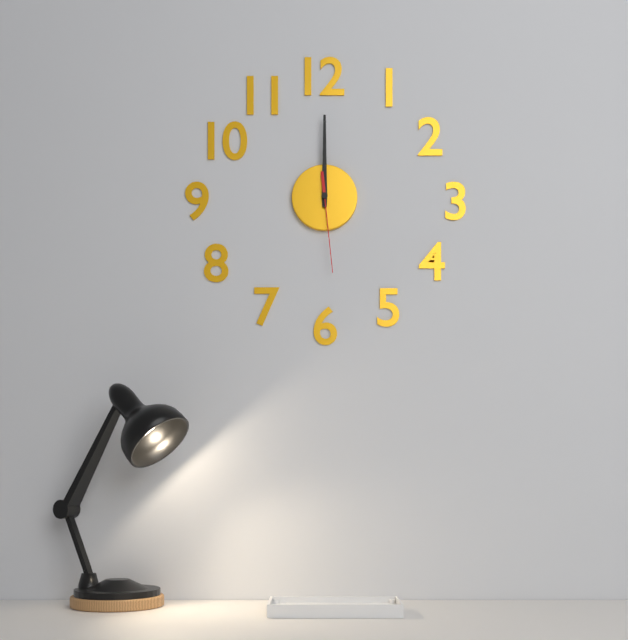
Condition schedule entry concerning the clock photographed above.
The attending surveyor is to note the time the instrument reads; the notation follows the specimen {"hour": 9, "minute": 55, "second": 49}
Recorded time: {"hour": 12, "minute": 0, "second": 29}
